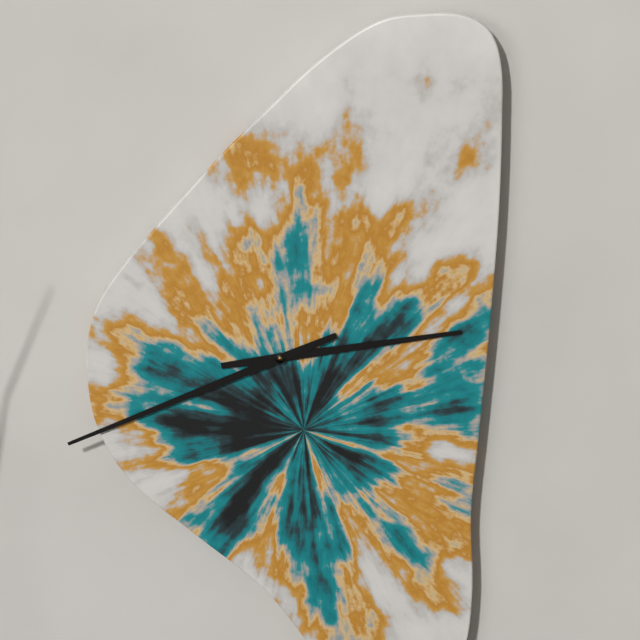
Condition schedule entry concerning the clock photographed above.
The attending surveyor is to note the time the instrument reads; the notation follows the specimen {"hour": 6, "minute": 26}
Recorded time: {"hour": 2, "minute": 41}
